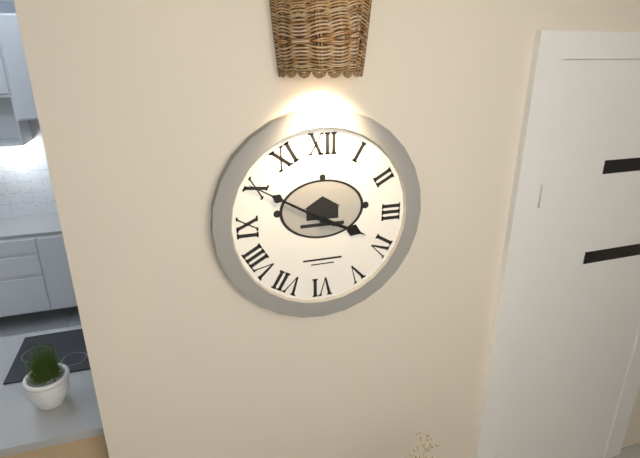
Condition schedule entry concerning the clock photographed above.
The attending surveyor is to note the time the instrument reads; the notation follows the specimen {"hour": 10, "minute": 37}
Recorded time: {"hour": 3, "minute": 50}
